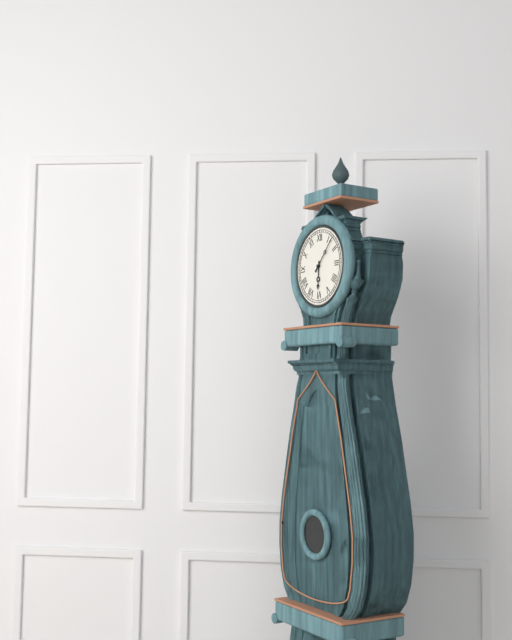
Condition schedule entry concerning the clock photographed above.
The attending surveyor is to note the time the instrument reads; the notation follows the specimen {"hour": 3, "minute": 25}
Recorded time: {"hour": 6, "minute": 7}
